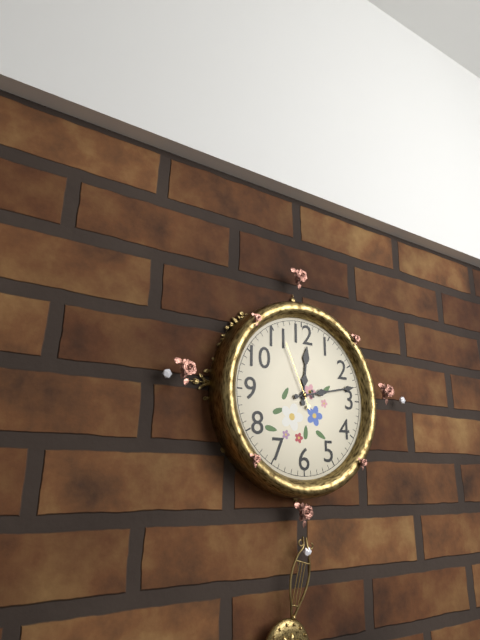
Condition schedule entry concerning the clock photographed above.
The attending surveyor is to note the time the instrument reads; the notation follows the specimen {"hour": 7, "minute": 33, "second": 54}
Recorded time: {"hour": 12, "minute": 13, "second": 56}
